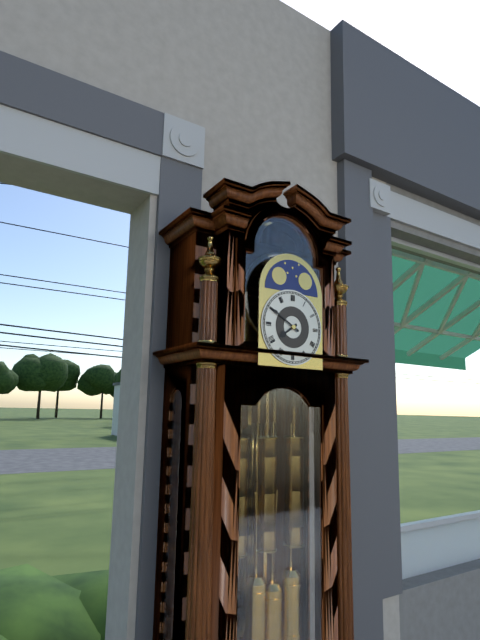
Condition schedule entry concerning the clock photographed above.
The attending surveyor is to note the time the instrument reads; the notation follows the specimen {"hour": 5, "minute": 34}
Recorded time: {"hour": 7, "minute": 50}
